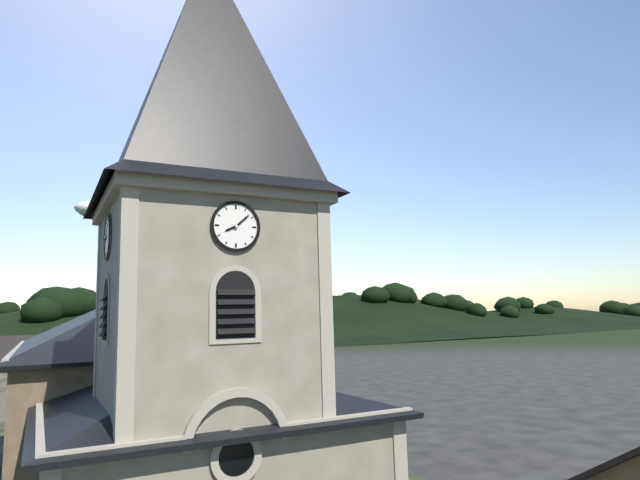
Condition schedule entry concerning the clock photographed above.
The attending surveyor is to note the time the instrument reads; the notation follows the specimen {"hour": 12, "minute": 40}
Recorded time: {"hour": 8, "minute": 8}
